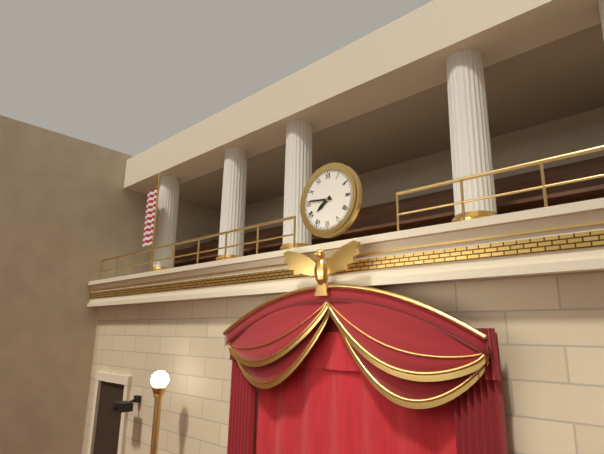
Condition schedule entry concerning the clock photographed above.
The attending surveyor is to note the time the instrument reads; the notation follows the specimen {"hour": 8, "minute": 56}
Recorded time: {"hour": 7, "minute": 46}
